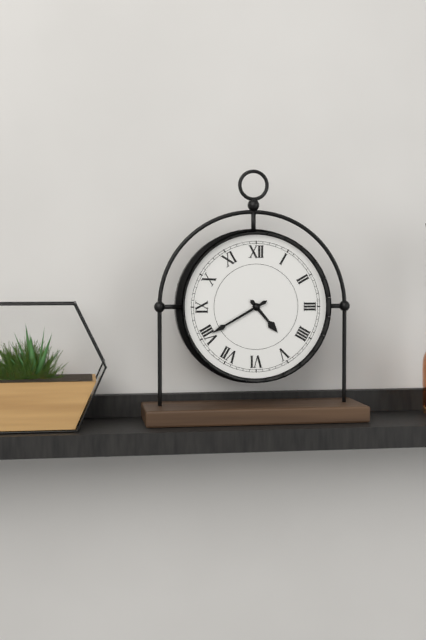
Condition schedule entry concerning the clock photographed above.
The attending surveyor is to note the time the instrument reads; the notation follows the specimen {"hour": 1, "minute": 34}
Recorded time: {"hour": 4, "minute": 40}
